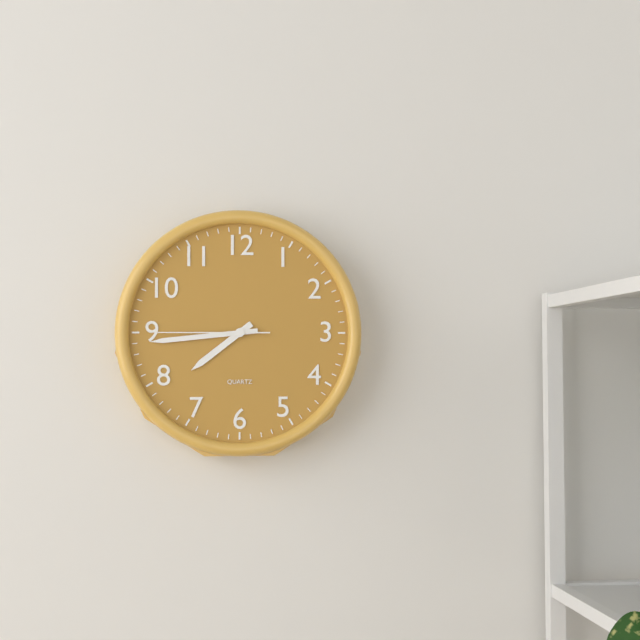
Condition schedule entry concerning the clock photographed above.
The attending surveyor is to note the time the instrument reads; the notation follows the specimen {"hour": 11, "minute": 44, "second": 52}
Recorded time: {"hour": 7, "minute": 44, "second": 45}
